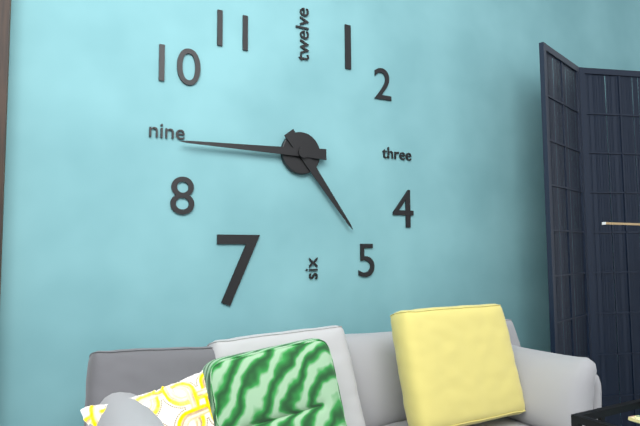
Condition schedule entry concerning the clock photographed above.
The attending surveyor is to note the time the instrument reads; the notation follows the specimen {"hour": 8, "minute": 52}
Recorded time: {"hour": 4, "minute": 45}
